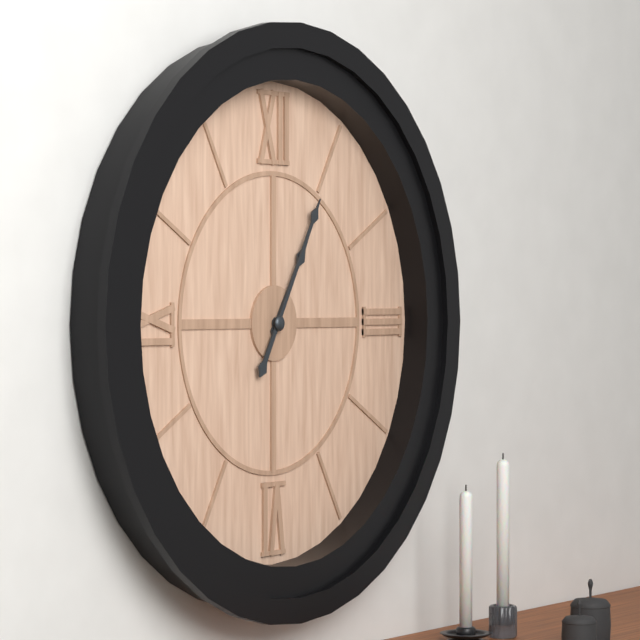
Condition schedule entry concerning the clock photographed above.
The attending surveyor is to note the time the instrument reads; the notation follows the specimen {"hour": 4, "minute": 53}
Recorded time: {"hour": 1, "minute": 5}
